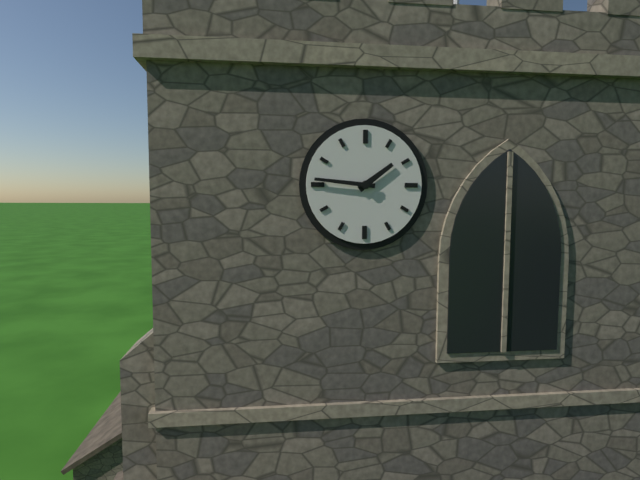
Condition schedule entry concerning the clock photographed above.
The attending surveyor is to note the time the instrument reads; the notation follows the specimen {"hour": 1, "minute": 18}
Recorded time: {"hour": 1, "minute": 46}
